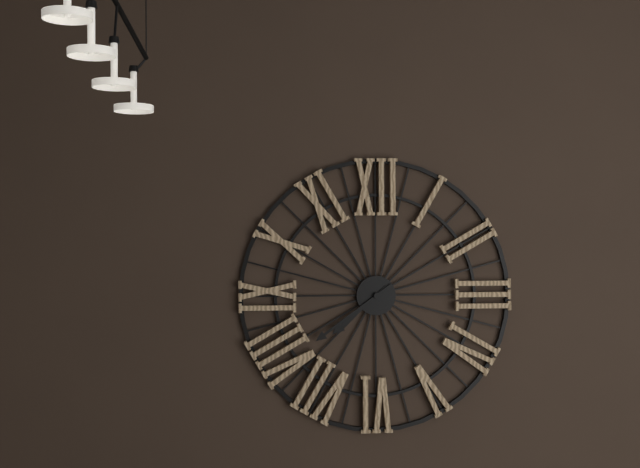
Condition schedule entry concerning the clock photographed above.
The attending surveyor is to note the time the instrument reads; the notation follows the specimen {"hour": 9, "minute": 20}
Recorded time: {"hour": 7, "minute": 39}
